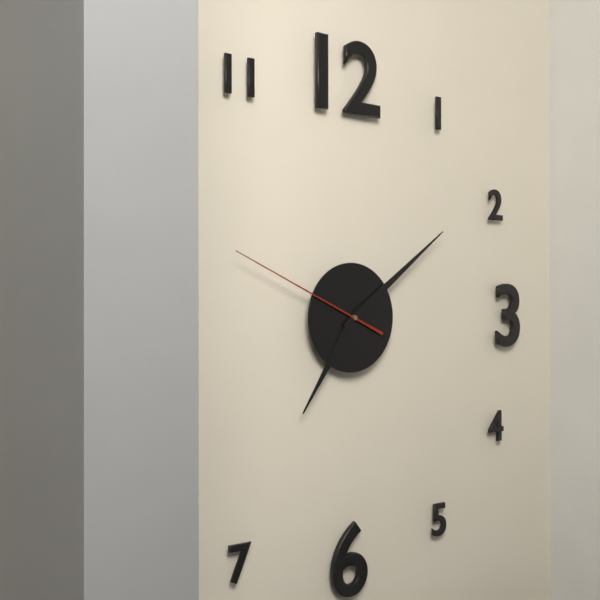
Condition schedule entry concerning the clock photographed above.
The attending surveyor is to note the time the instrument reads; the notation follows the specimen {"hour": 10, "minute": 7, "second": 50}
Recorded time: {"hour": 7, "minute": 9, "second": 49}
